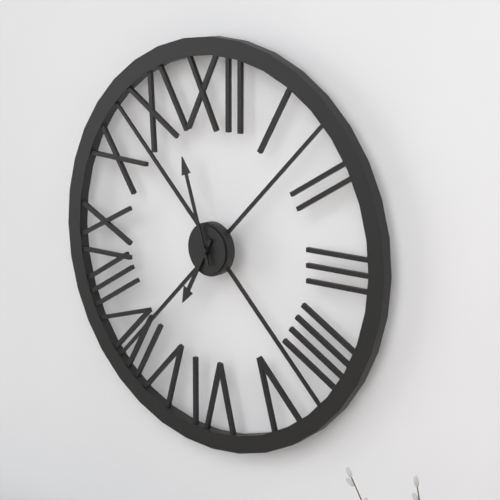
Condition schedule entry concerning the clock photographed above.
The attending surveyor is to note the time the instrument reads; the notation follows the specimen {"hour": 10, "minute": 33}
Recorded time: {"hour": 6, "minute": 57}
